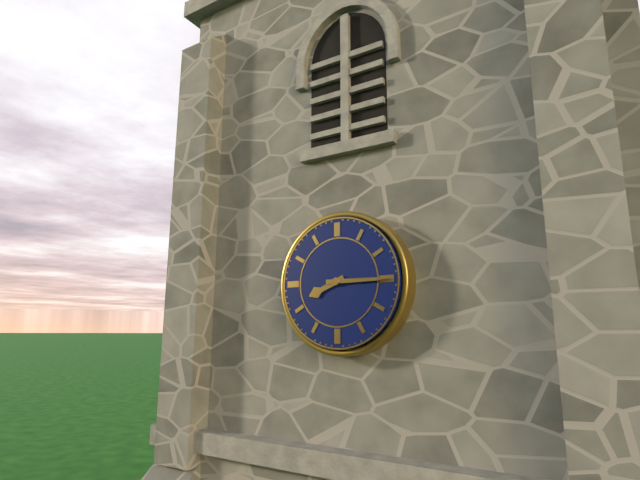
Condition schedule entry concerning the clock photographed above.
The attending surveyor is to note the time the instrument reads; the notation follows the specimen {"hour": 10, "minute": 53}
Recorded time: {"hour": 8, "minute": 15}
